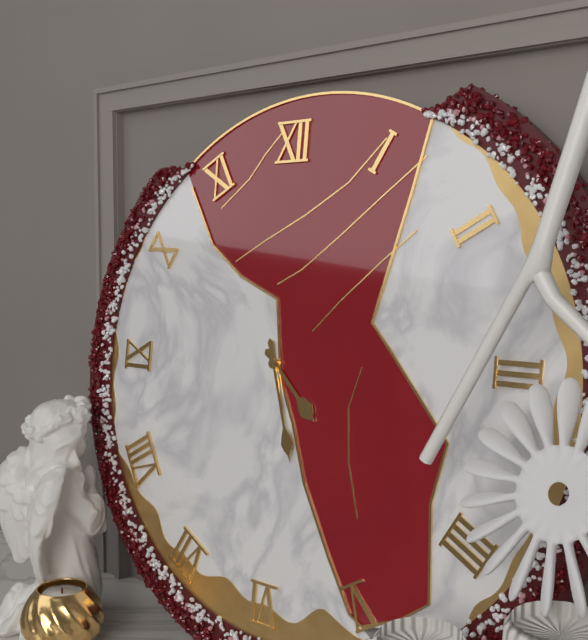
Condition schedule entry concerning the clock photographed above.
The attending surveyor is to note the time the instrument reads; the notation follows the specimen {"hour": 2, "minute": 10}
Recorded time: {"hour": 4, "minute": 27}
